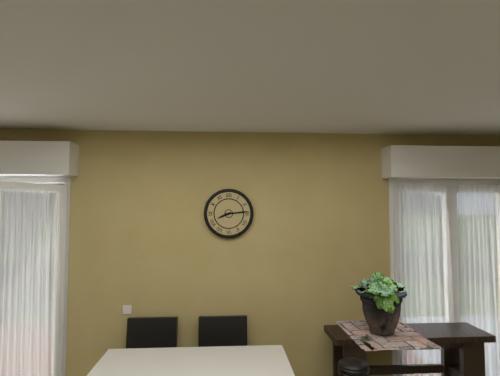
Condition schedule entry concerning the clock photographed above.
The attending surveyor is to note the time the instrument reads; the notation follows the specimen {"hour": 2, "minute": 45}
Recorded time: {"hour": 8, "minute": 14}
